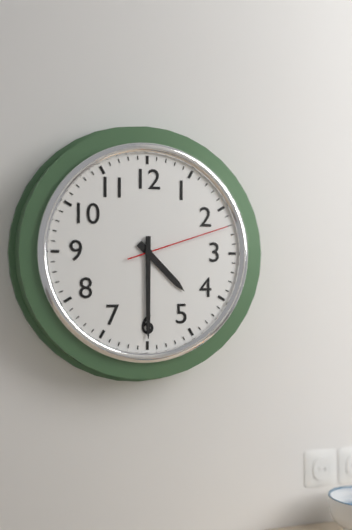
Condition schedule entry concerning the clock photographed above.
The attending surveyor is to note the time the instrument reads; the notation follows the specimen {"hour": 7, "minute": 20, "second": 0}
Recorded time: {"hour": 4, "minute": 30, "second": 12}
